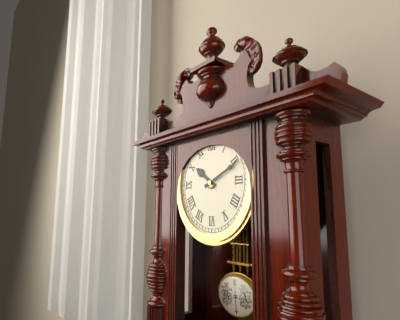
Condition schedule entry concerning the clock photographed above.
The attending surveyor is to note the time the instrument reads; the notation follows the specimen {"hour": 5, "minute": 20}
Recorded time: {"hour": 10, "minute": 11}
